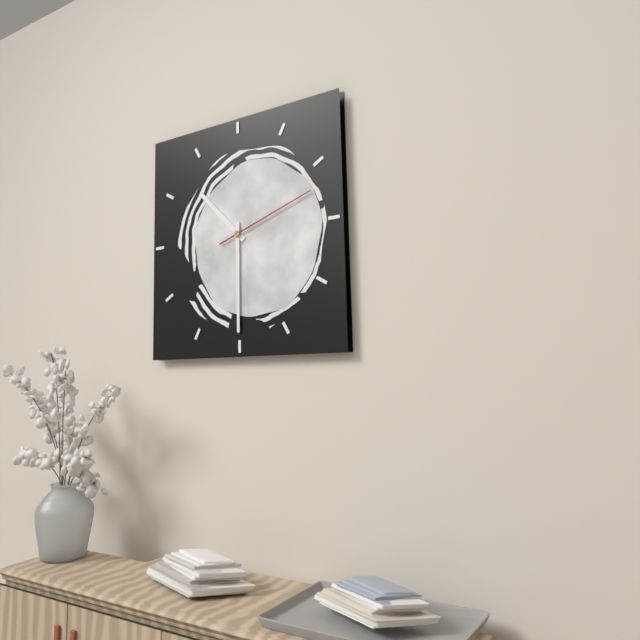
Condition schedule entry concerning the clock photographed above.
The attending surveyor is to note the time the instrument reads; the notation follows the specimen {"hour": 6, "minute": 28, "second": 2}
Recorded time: {"hour": 10, "minute": 30, "second": 12}
